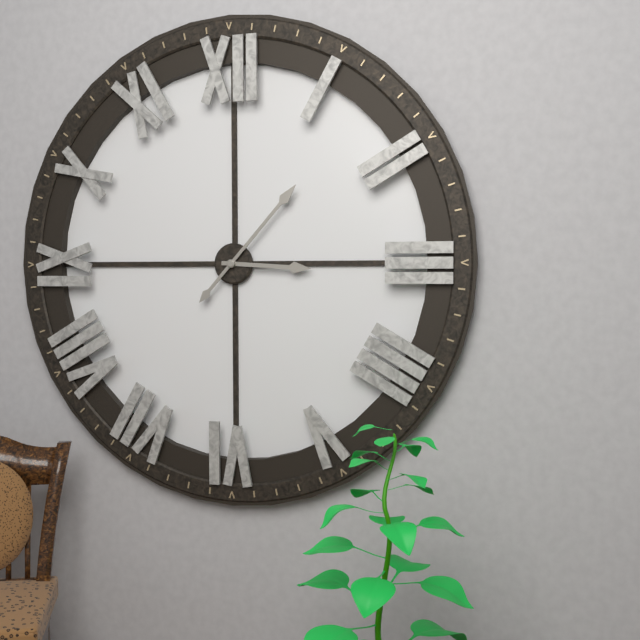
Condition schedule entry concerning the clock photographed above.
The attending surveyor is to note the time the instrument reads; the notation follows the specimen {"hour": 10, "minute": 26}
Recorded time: {"hour": 3, "minute": 7}
